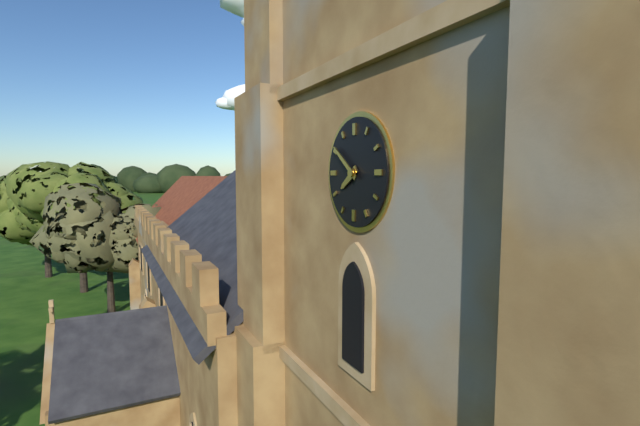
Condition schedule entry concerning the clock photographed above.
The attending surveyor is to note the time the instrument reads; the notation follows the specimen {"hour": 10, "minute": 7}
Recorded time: {"hour": 7, "minute": 51}
